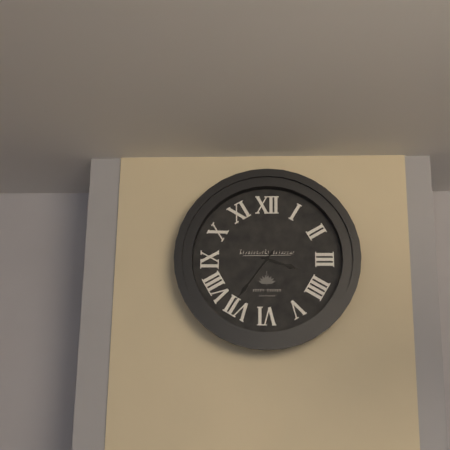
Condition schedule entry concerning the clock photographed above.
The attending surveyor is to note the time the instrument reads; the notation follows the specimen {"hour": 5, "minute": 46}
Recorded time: {"hour": 3, "minute": 36}
